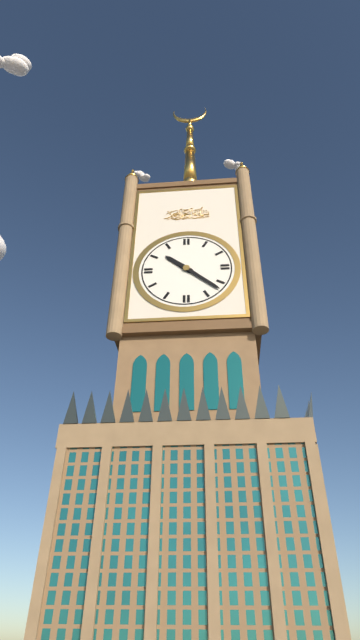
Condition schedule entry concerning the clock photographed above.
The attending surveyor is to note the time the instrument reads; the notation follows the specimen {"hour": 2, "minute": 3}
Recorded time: {"hour": 10, "minute": 22}
